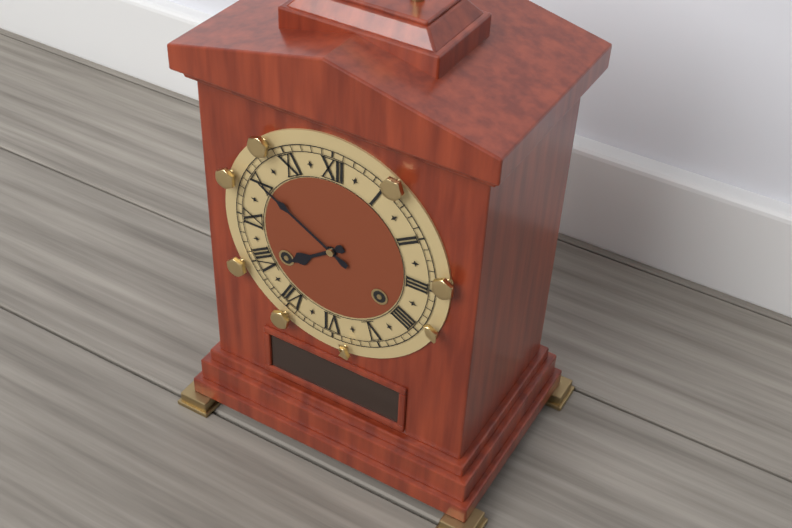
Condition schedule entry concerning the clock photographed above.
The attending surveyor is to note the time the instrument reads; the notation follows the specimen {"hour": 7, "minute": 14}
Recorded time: {"hour": 7, "minute": 50}
